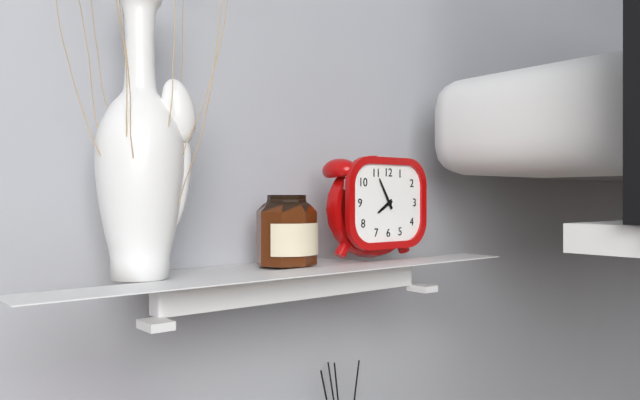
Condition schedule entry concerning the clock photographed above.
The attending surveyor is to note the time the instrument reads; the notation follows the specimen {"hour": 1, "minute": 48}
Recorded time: {"hour": 7, "minute": 55}
